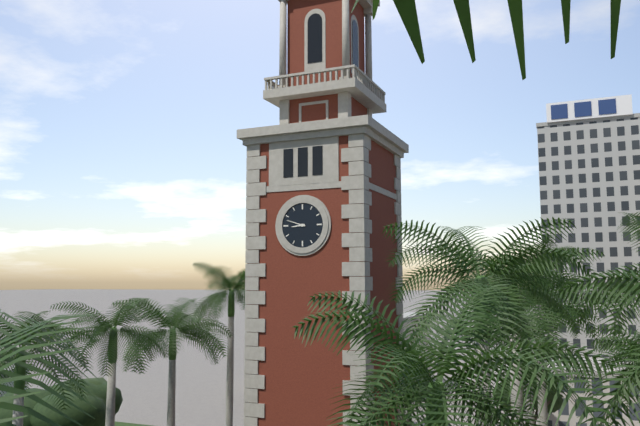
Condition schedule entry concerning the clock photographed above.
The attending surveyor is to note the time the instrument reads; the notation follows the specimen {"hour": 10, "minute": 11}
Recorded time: {"hour": 8, "minute": 48}
